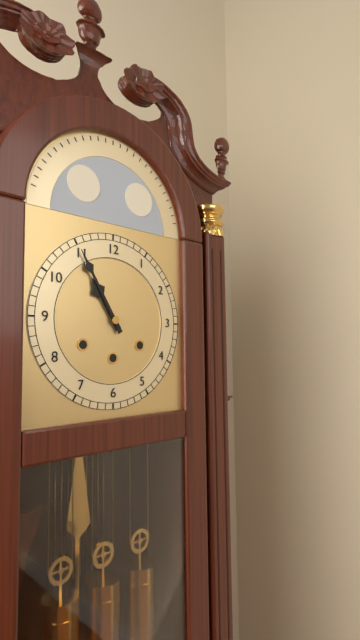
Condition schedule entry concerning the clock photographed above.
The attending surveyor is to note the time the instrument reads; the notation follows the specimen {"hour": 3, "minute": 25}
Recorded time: {"hour": 10, "minute": 55}
